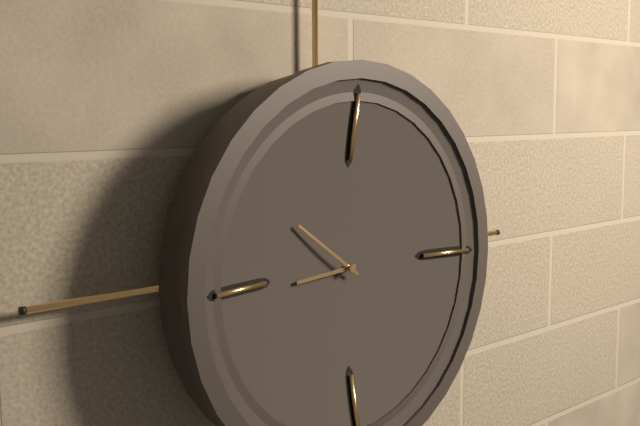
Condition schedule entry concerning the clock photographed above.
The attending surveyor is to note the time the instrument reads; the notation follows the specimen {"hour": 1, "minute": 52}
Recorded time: {"hour": 8, "minute": 51}
